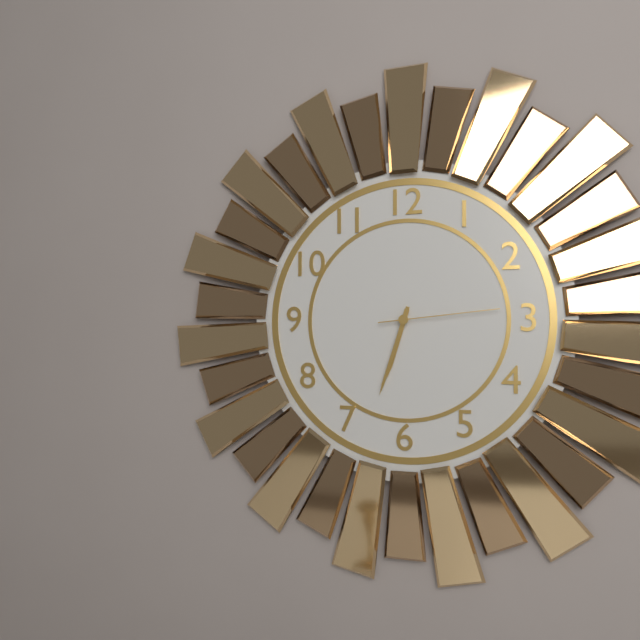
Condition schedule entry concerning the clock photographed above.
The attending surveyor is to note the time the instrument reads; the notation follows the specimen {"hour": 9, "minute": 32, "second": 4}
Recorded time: {"hour": 6, "minute": 33, "second": 14}
